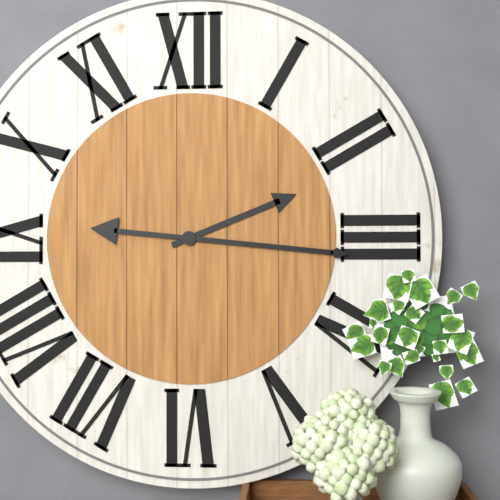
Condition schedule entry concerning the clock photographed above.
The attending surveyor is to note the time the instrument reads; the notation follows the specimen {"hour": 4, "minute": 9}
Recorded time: {"hour": 2, "minute": 16}
